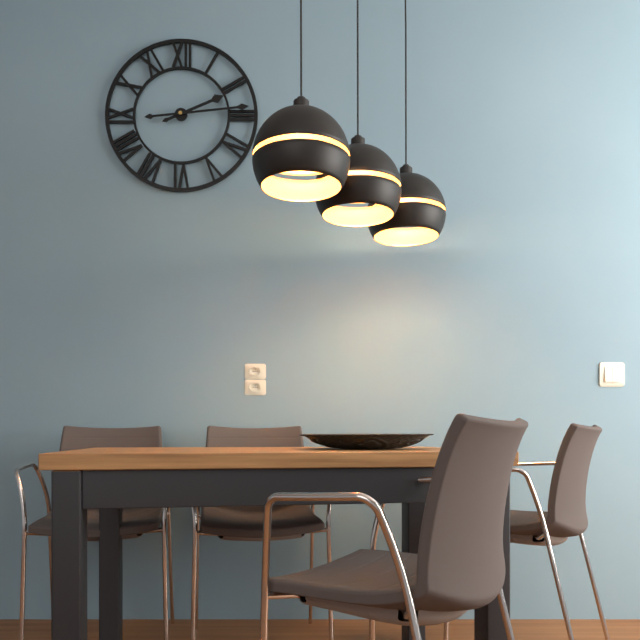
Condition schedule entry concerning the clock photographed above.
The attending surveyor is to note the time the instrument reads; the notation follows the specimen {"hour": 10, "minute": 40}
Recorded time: {"hour": 2, "minute": 14}
